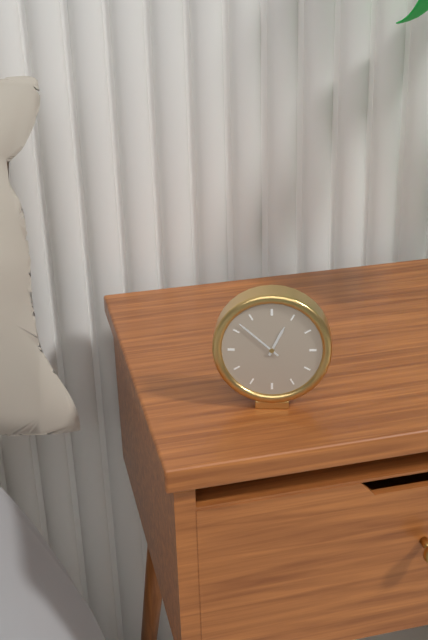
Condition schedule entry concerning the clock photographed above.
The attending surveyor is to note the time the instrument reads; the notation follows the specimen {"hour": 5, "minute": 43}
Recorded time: {"hour": 12, "minute": 52}
